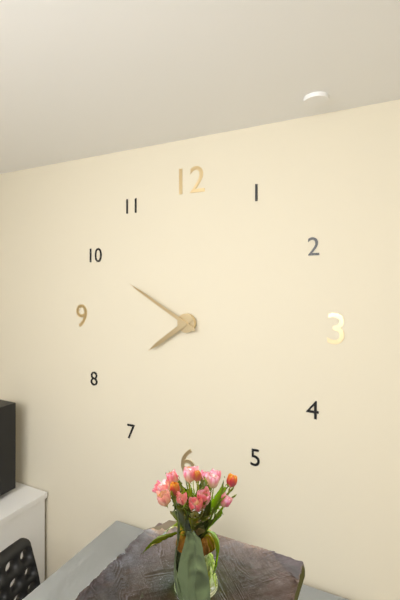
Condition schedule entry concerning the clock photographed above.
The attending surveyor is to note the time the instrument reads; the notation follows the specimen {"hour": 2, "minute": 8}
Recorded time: {"hour": 7, "minute": 50}
